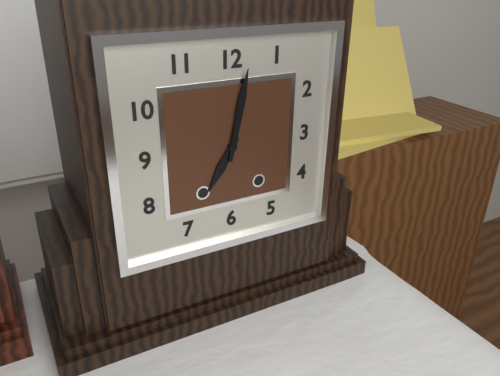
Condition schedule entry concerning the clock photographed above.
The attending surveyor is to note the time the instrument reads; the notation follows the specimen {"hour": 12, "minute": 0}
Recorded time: {"hour": 7, "minute": 2}
